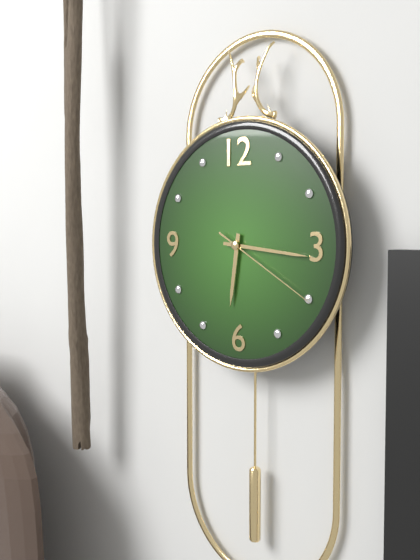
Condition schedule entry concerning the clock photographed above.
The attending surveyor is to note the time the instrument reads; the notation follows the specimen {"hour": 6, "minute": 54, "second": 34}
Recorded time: {"hour": 6, "minute": 16, "second": 20}
